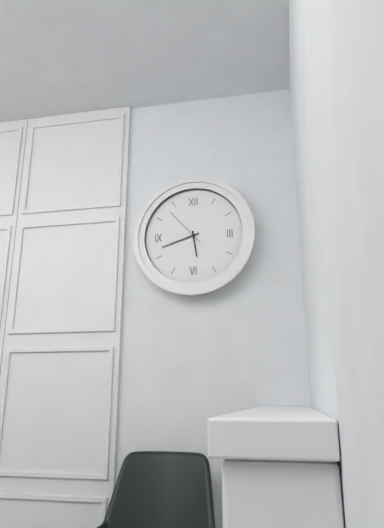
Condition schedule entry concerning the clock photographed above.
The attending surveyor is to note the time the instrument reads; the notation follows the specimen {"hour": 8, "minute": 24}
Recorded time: {"hour": 5, "minute": 42}
